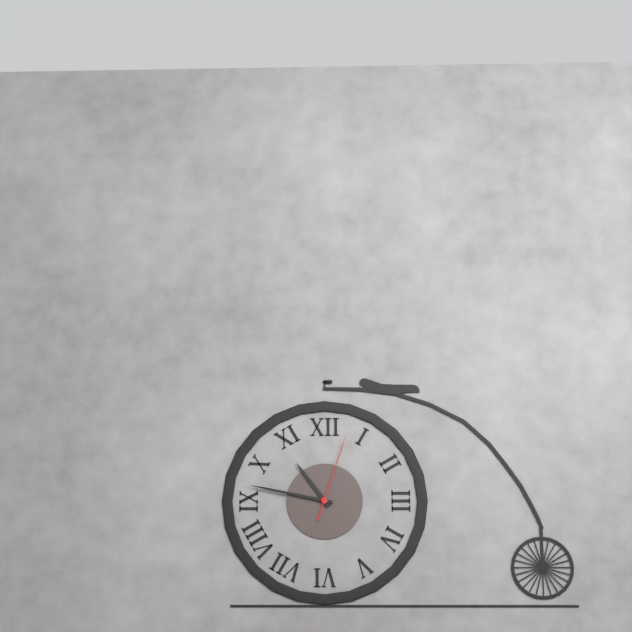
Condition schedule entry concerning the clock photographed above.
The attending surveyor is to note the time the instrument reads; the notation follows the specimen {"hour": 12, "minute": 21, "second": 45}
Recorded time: {"hour": 10, "minute": 47, "second": 3}
